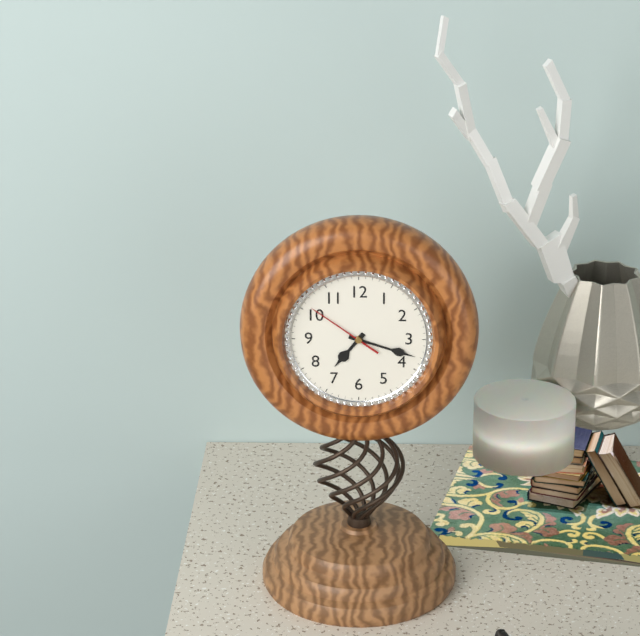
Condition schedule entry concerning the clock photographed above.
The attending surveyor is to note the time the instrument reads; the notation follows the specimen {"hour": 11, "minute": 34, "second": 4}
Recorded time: {"hour": 7, "minute": 18, "second": 51}
